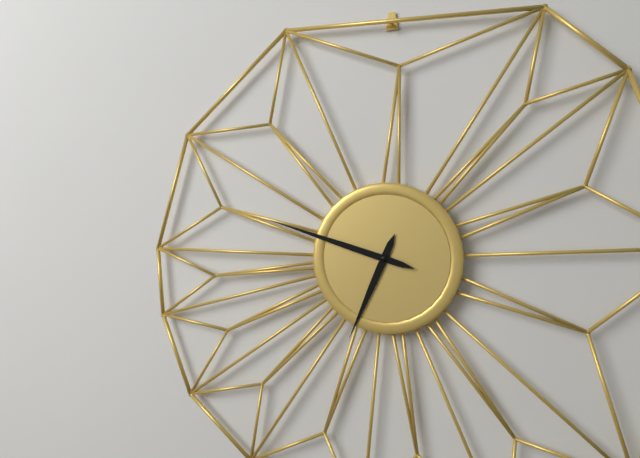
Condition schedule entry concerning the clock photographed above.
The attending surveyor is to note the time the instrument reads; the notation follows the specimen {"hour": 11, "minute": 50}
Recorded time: {"hour": 6, "minute": 48}
